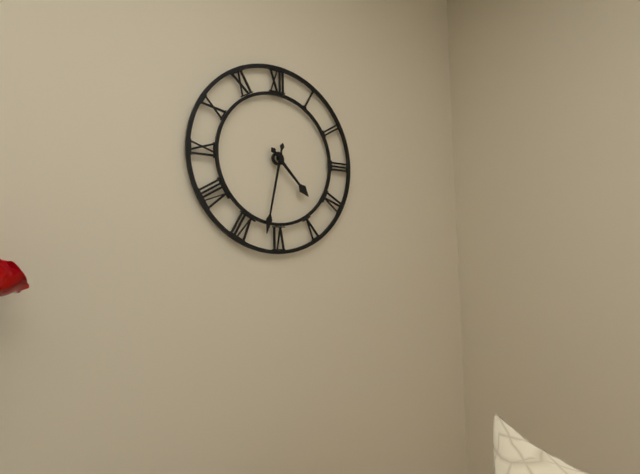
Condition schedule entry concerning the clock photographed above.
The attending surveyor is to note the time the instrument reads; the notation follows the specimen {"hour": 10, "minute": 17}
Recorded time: {"hour": 4, "minute": 32}
